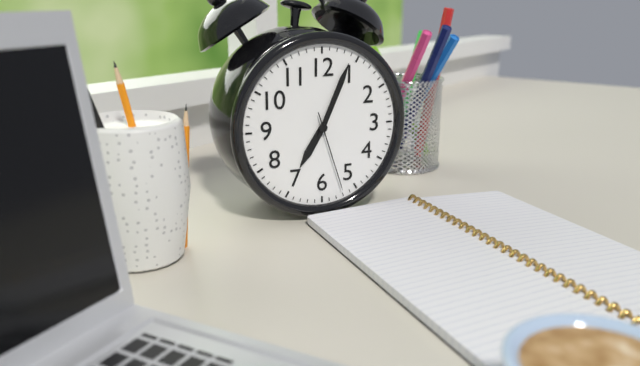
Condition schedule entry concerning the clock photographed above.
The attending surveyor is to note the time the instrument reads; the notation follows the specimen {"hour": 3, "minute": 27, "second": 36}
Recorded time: {"hour": 7, "minute": 4, "second": 27}
